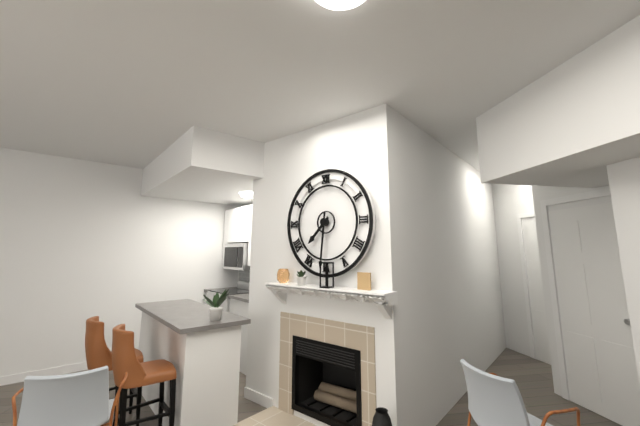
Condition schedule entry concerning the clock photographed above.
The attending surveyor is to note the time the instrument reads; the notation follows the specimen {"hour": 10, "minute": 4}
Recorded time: {"hour": 7, "minute": 31}
